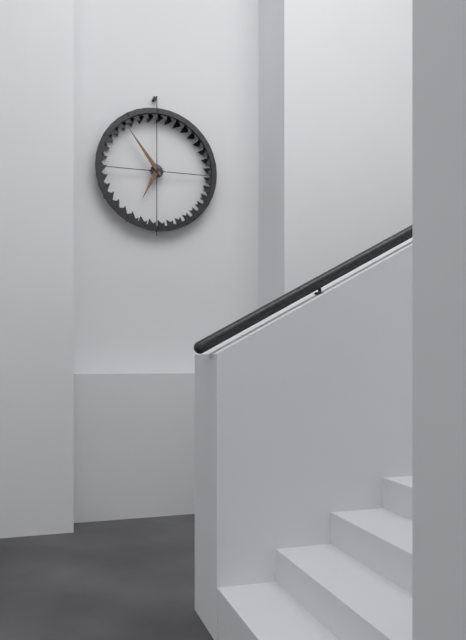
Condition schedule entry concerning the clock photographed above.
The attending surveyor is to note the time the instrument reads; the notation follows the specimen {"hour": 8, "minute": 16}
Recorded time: {"hour": 6, "minute": 54}
